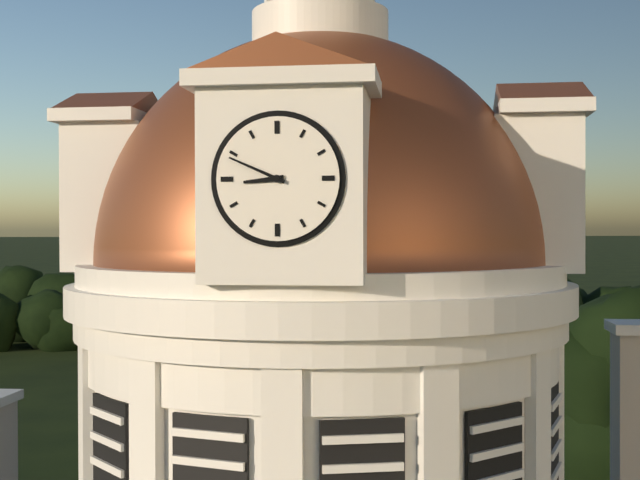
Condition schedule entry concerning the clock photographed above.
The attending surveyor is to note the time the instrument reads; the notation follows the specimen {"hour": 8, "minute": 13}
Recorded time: {"hour": 8, "minute": 49}
